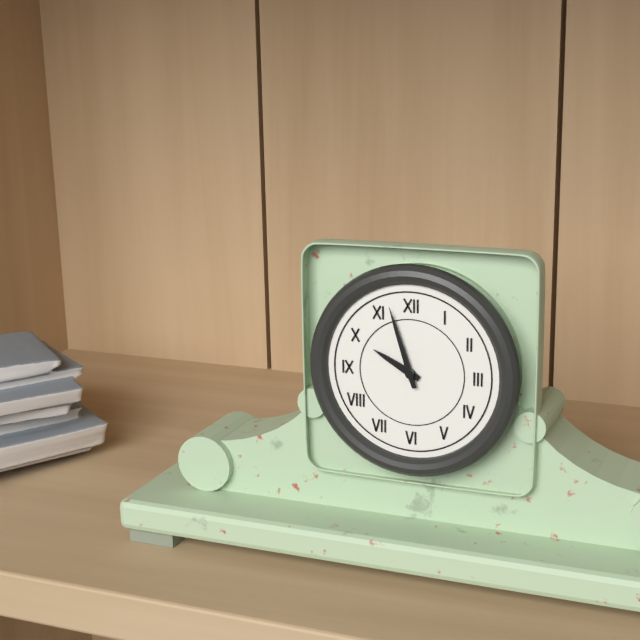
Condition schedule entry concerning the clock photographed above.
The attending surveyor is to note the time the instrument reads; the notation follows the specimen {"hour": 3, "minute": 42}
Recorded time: {"hour": 9, "minute": 57}
